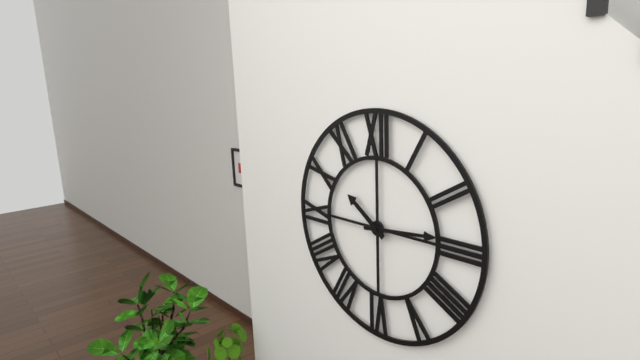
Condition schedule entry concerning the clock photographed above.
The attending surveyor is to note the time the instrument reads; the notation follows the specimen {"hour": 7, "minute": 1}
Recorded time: {"hour": 10, "minute": 14}
